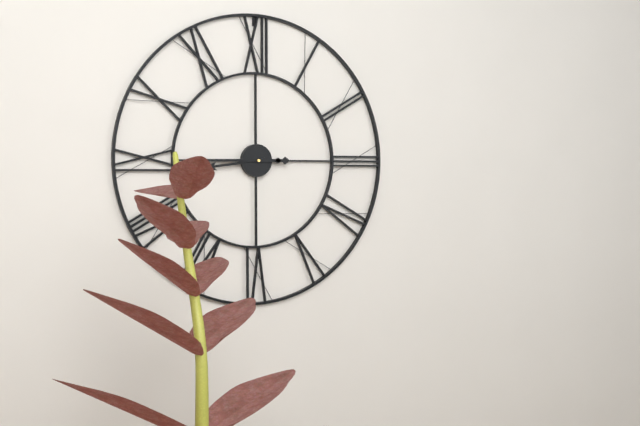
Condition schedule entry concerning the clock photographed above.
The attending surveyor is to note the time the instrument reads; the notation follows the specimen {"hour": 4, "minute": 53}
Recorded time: {"hour": 8, "minute": 45}
